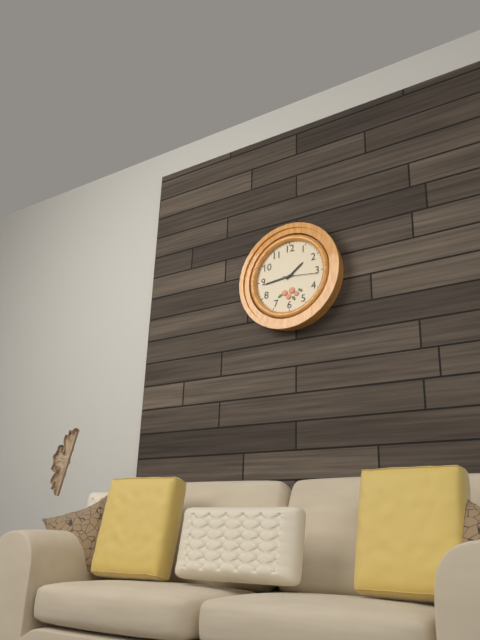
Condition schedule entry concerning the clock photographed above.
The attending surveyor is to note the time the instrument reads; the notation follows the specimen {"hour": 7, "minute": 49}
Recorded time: {"hour": 1, "minute": 44}
